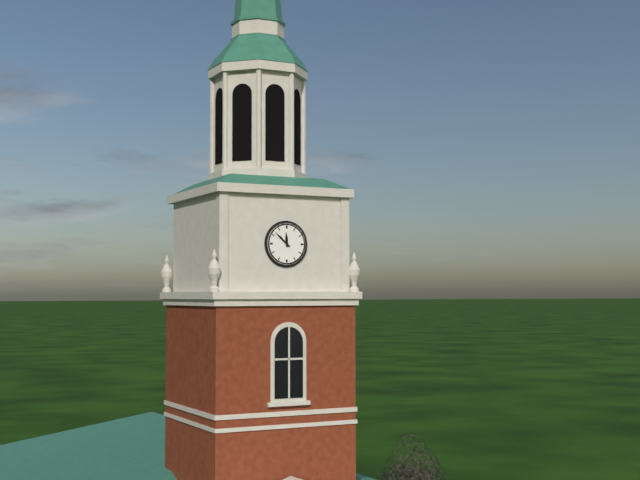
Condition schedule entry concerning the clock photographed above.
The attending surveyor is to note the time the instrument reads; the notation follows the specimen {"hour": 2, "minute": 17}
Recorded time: {"hour": 11, "minute": 52}
